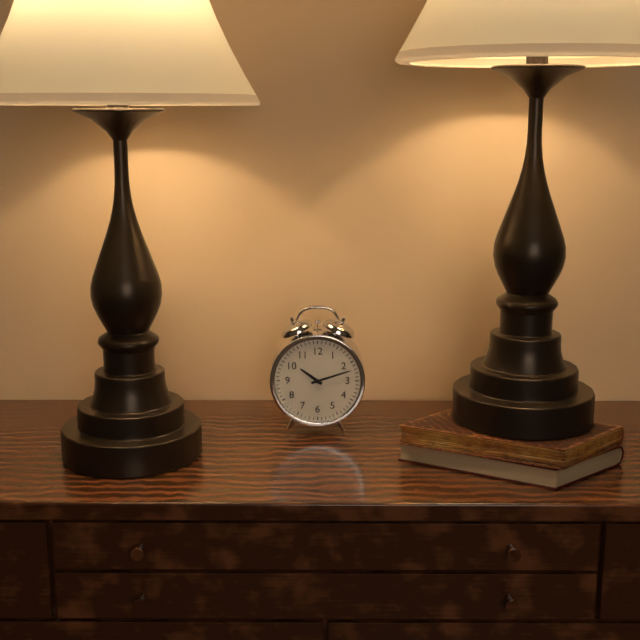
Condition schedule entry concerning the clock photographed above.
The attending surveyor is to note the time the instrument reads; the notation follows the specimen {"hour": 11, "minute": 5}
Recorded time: {"hour": 10, "minute": 12}
